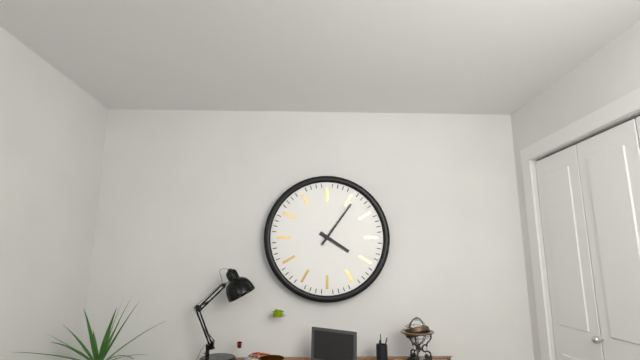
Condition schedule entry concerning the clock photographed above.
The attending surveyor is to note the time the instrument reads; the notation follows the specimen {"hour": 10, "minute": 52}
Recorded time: {"hour": 4, "minute": 6}
